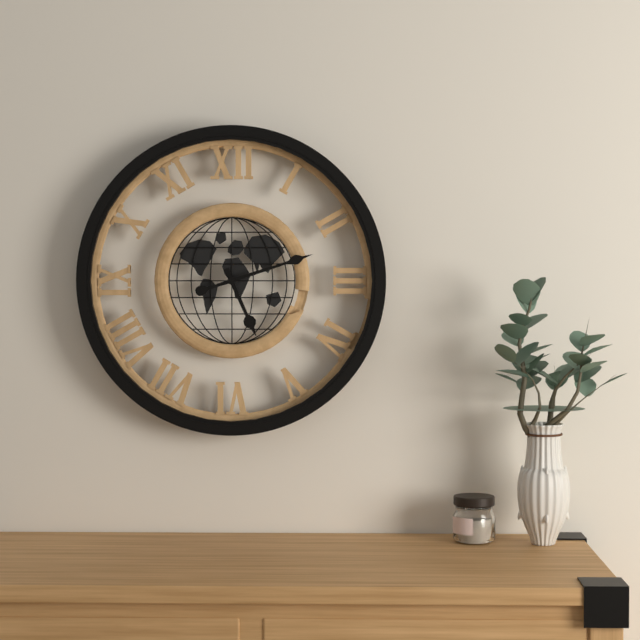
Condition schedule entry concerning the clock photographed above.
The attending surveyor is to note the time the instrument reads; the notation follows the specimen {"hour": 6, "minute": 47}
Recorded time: {"hour": 5, "minute": 12}
